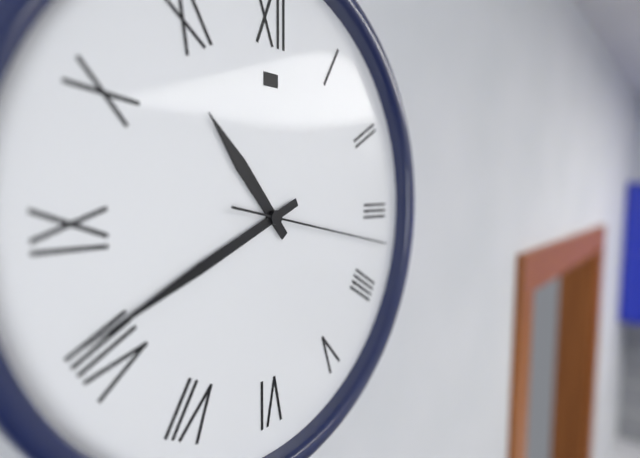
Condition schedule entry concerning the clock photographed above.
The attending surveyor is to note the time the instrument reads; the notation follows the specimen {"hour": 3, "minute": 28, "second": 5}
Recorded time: {"hour": 10, "minute": 41, "second": 17}
